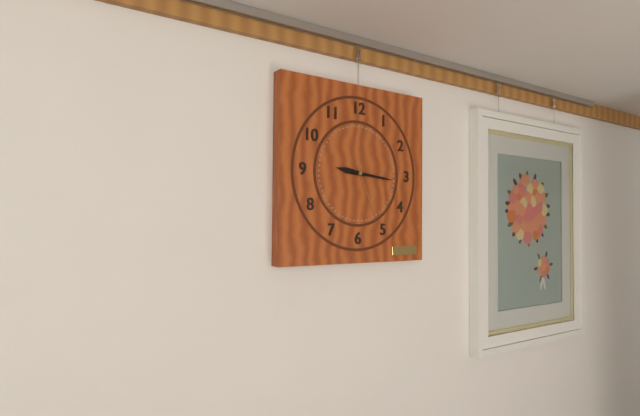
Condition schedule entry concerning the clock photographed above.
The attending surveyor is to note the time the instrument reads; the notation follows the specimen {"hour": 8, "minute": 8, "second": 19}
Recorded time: {"hour": 9, "minute": 16, "second": 26}
